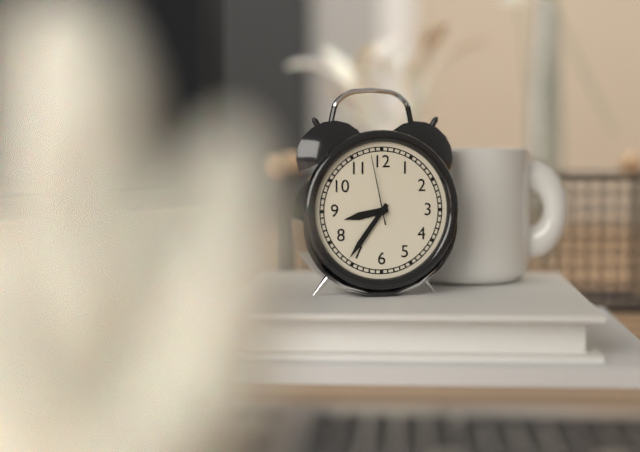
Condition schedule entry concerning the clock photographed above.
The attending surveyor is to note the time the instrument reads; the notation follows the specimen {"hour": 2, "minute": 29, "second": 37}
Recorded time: {"hour": 8, "minute": 36, "second": 58}
